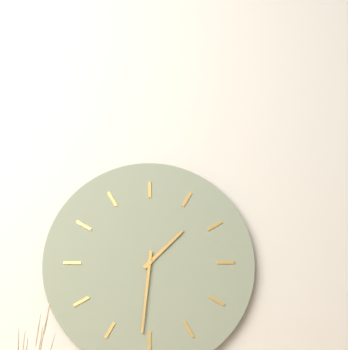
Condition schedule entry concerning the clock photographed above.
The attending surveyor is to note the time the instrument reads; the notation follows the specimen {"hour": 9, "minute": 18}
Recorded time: {"hour": 1, "minute": 31}
